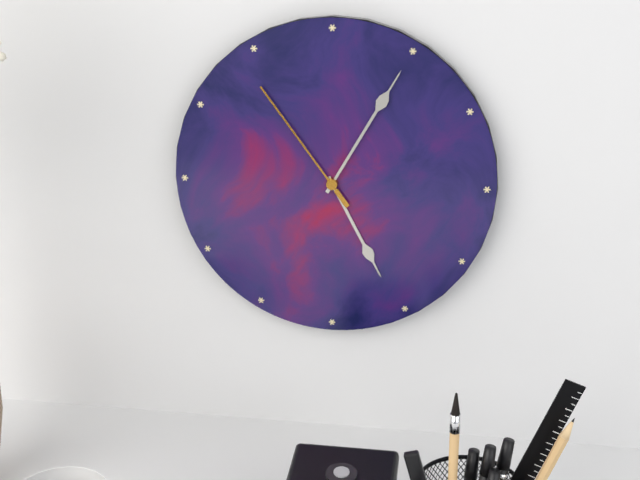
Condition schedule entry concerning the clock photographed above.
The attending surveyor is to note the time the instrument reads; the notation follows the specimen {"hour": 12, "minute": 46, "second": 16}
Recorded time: {"hour": 5, "minute": 5, "second": 54}
